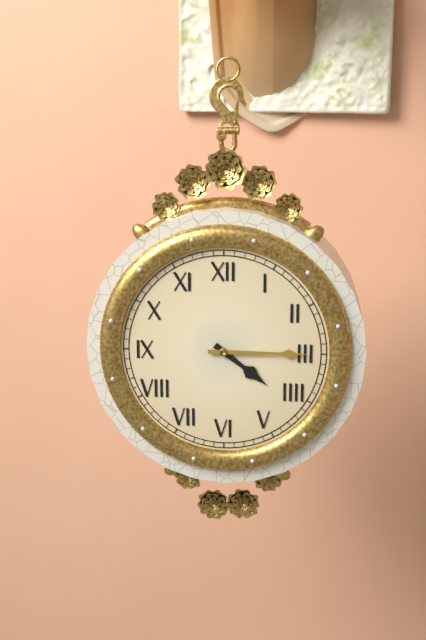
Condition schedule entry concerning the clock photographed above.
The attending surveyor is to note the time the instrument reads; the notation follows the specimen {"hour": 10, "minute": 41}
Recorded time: {"hour": 4, "minute": 15}
